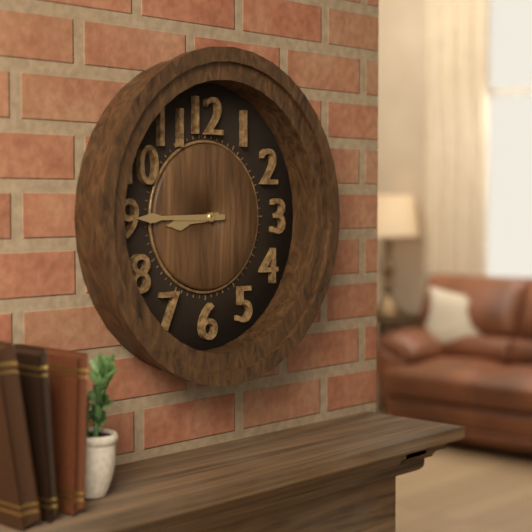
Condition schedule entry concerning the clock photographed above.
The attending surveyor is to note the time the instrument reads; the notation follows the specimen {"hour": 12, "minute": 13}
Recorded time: {"hour": 8, "minute": 45}
